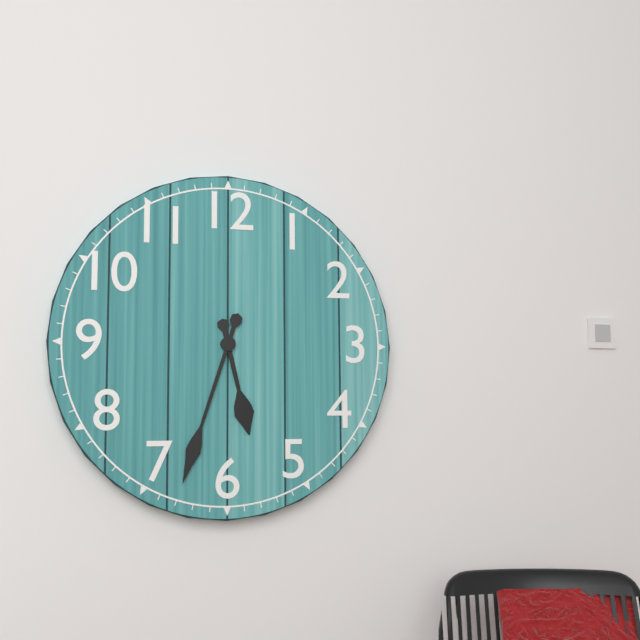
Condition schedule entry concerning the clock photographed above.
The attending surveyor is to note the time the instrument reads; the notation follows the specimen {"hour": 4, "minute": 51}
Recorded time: {"hour": 5, "minute": 33}
